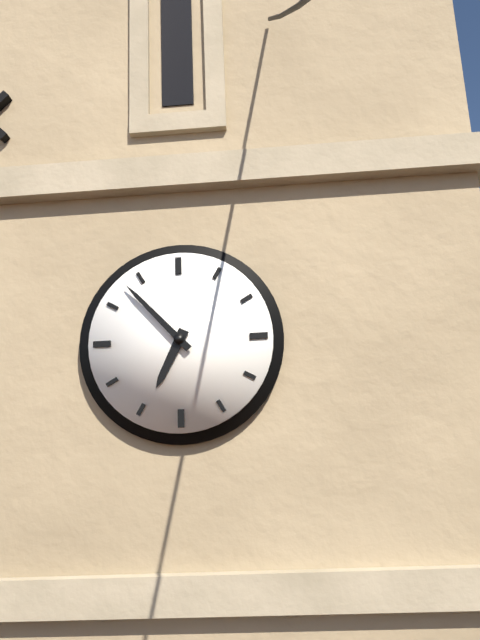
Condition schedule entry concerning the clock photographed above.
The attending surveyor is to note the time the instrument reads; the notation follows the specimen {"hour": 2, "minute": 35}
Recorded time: {"hour": 6, "minute": 53}
